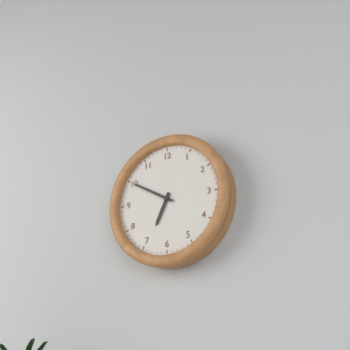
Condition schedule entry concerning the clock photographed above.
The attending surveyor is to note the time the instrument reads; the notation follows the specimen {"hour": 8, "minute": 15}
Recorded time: {"hour": 6, "minute": 50}
